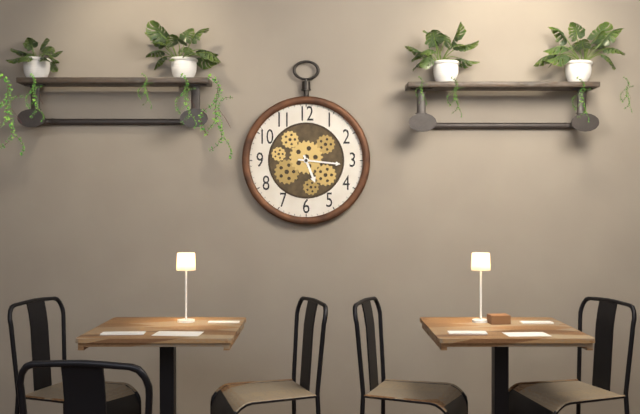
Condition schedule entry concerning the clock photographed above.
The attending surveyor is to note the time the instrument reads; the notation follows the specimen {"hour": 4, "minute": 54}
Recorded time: {"hour": 5, "minute": 16}
